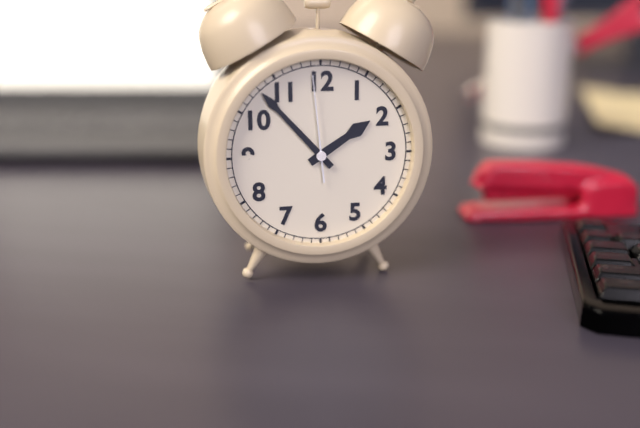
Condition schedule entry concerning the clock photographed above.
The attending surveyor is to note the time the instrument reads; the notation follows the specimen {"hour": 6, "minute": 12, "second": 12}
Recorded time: {"hour": 1, "minute": 53, "second": 59}
